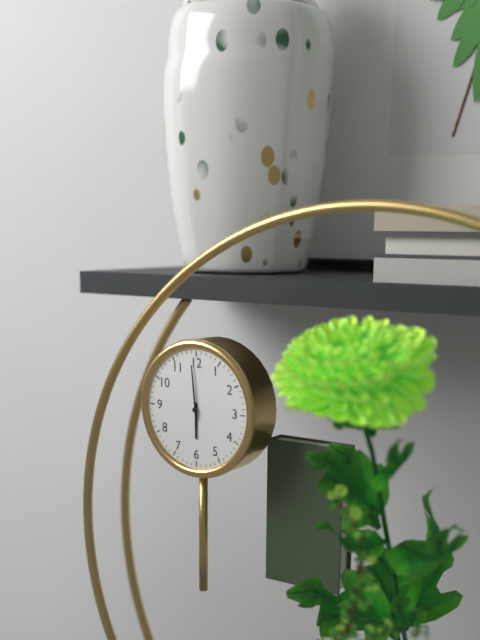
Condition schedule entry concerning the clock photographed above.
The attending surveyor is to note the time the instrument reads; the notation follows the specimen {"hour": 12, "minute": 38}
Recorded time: {"hour": 5, "minute": 59}
